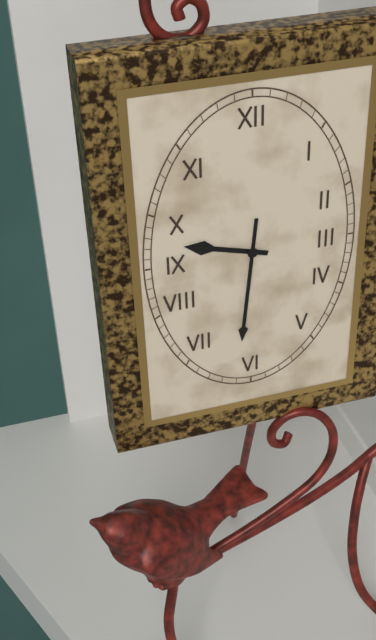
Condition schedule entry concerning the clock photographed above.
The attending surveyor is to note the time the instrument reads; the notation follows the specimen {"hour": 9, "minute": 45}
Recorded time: {"hour": 9, "minute": 31}
